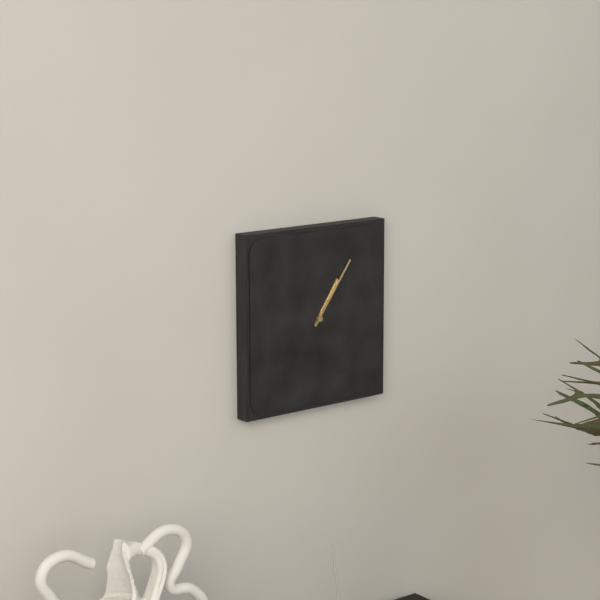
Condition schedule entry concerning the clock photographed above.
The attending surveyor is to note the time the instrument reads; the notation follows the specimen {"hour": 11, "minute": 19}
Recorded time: {"hour": 1, "minute": 6}
